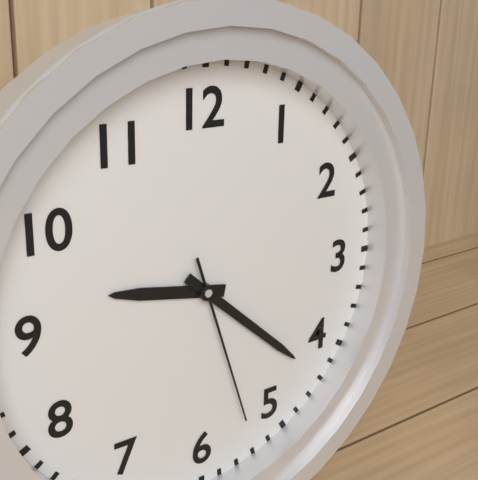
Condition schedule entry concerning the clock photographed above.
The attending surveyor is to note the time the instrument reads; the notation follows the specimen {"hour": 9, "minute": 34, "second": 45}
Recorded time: {"hour": 9, "minute": 22, "second": 27}
